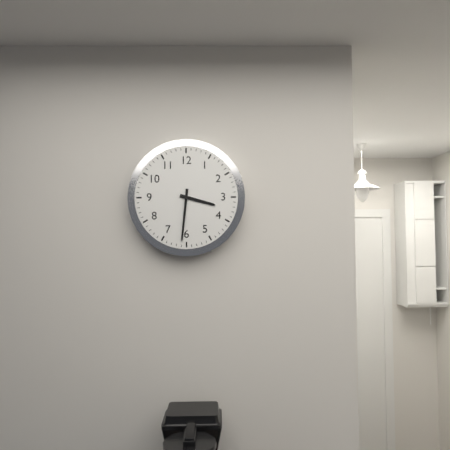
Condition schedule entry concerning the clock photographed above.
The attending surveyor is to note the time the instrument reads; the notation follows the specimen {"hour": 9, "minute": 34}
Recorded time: {"hour": 3, "minute": 31}
